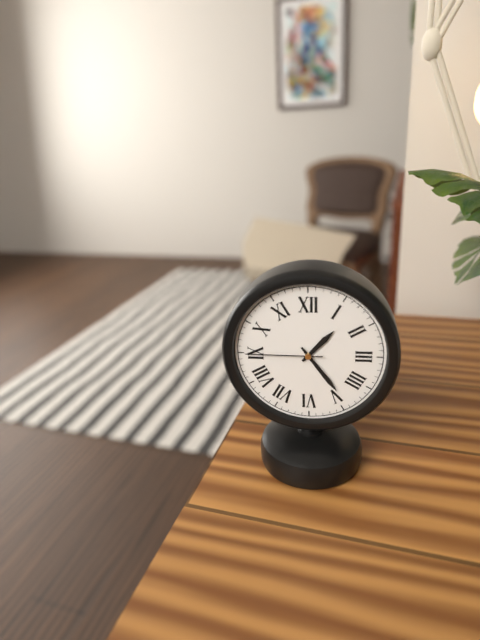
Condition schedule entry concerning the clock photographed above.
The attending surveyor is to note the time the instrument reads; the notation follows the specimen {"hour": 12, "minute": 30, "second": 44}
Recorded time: {"hour": 1, "minute": 24, "second": 45}
